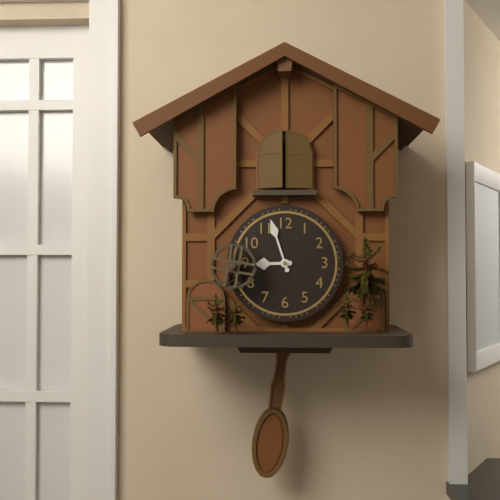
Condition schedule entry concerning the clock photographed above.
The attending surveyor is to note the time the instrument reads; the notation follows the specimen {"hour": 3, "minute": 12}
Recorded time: {"hour": 8, "minute": 57}
